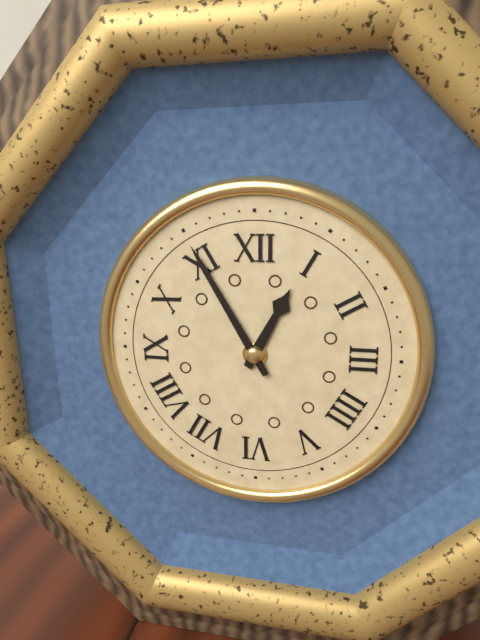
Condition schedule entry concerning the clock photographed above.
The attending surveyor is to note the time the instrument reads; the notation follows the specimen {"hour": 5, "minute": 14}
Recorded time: {"hour": 12, "minute": 55}
